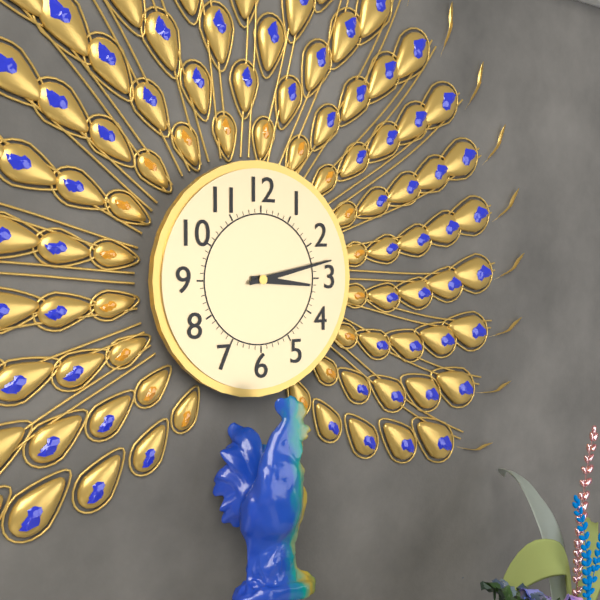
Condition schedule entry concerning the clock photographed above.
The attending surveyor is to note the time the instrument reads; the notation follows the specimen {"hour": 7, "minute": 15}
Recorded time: {"hour": 3, "minute": 13}
